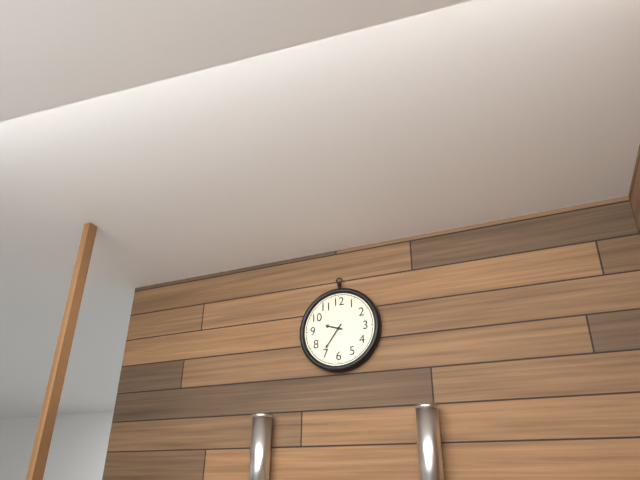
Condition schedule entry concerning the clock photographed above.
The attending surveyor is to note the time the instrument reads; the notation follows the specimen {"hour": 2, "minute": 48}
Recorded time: {"hour": 9, "minute": 36}
